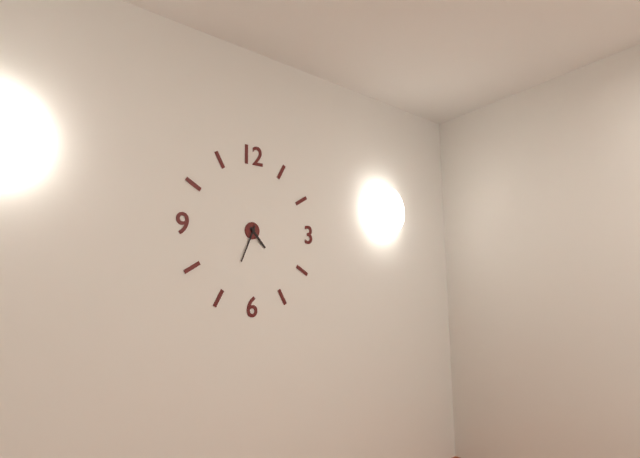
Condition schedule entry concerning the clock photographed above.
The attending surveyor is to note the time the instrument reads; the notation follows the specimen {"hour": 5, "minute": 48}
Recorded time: {"hour": 4, "minute": 34}
